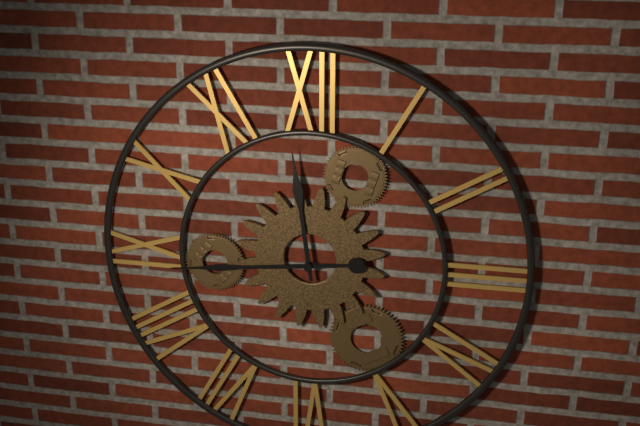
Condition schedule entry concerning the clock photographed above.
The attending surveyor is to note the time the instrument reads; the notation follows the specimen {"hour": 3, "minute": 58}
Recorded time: {"hour": 11, "minute": 44}
